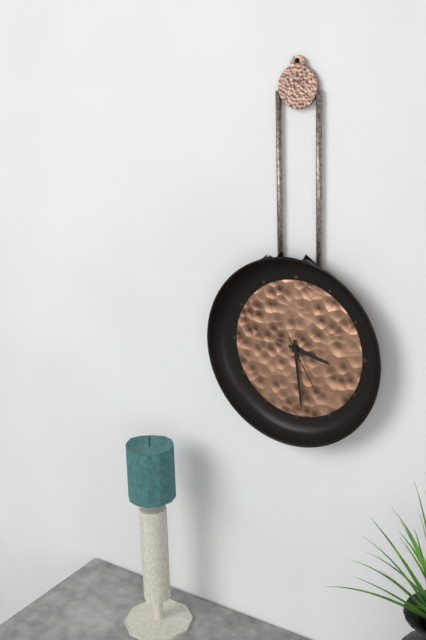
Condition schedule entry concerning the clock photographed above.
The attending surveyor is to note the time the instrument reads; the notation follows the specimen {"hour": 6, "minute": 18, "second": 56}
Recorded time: {"hour": 3, "minute": 29, "second": 25}
